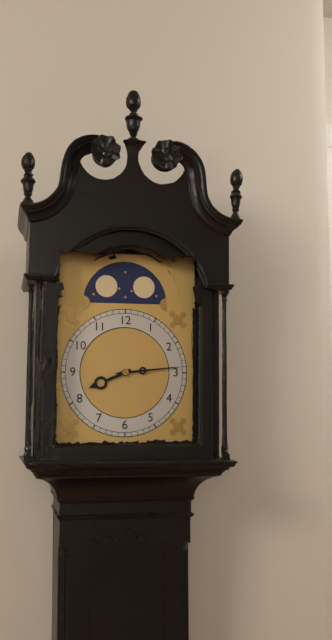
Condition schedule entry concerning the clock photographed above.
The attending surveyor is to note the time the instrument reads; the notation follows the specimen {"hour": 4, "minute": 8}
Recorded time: {"hour": 8, "minute": 14}
